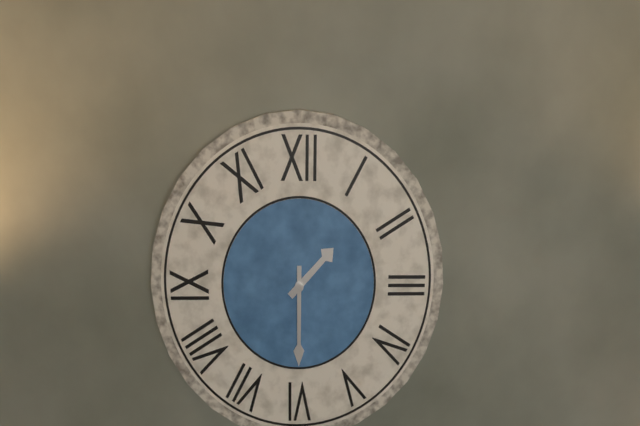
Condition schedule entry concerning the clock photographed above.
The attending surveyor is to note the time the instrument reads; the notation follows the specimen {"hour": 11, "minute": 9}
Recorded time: {"hour": 1, "minute": 30}
